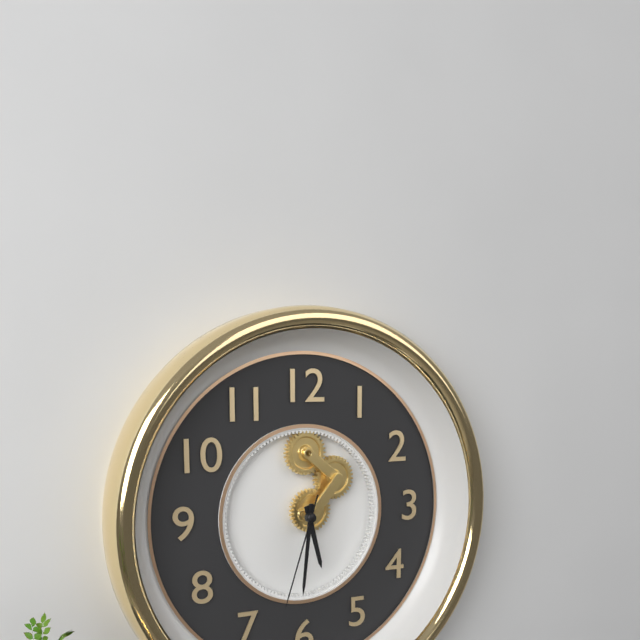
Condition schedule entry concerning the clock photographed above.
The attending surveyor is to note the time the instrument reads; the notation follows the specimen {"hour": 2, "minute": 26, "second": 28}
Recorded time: {"hour": 5, "minute": 31, "second": 33}
